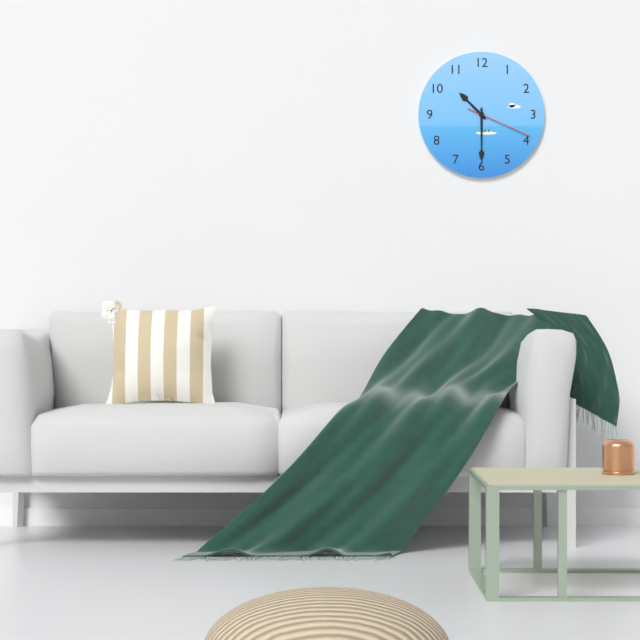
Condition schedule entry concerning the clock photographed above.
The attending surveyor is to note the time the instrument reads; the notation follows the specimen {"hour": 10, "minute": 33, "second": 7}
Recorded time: {"hour": 10, "minute": 30, "second": 19}
